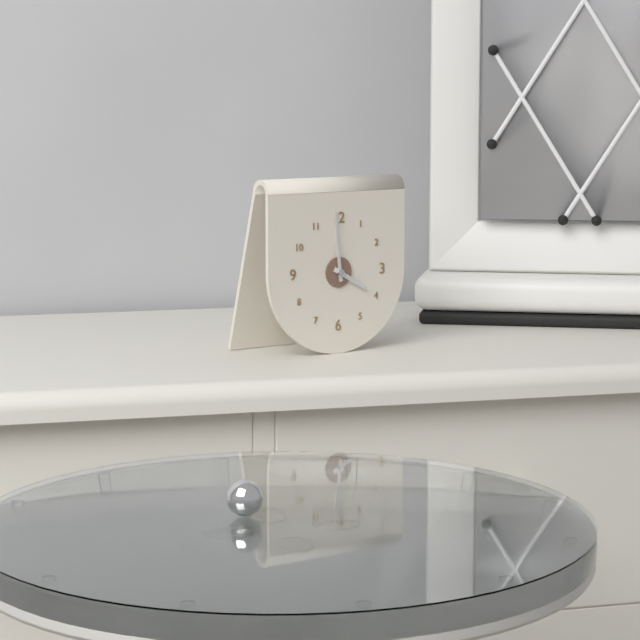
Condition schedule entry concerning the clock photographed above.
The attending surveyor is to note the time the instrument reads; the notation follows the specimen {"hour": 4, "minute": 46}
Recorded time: {"hour": 3, "minute": 59}
